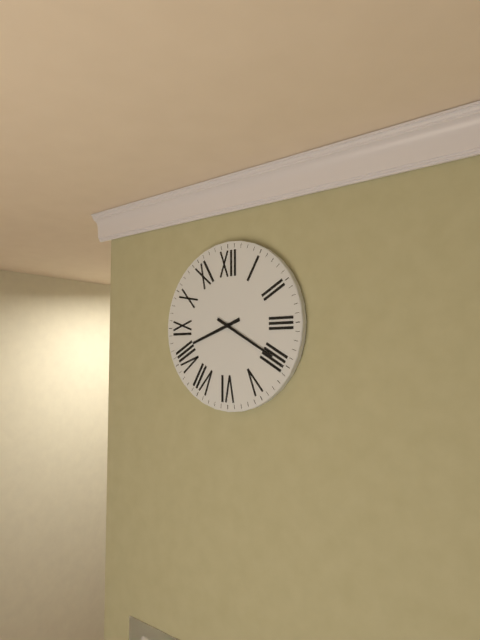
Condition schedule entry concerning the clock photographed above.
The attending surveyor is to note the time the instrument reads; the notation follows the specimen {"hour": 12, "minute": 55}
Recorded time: {"hour": 8, "minute": 20}
